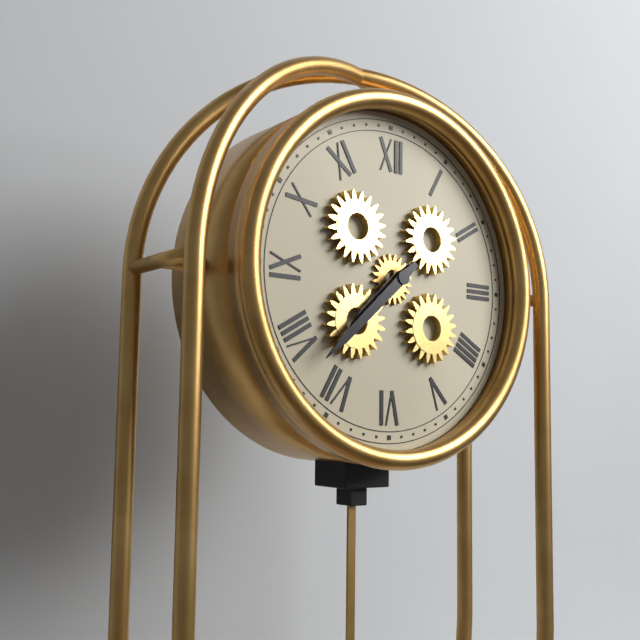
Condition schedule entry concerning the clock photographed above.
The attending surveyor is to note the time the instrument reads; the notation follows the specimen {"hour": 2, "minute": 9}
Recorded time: {"hour": 7, "minute": 38}
